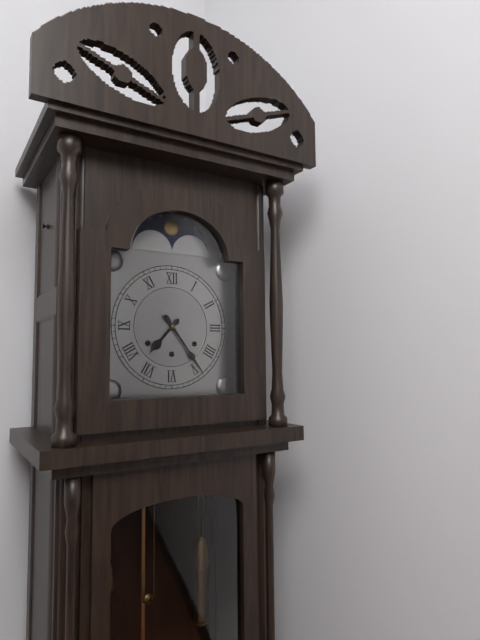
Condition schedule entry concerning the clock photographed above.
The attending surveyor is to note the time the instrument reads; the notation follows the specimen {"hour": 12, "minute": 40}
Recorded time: {"hour": 7, "minute": 24}
